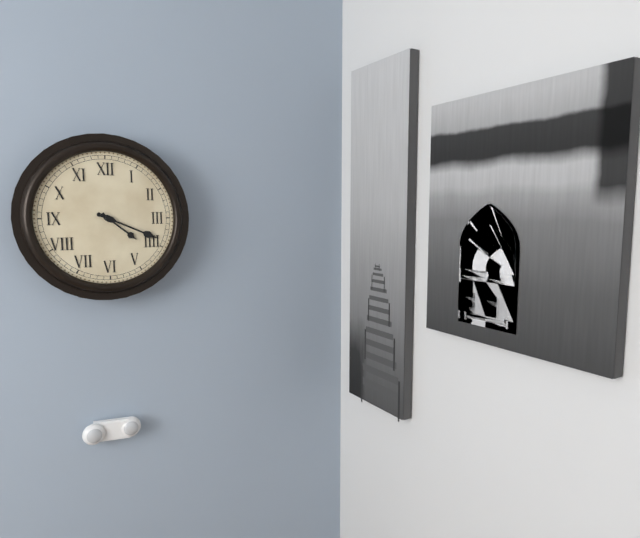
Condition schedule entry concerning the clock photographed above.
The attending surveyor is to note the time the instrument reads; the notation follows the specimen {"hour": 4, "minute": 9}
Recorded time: {"hour": 4, "minute": 19}
